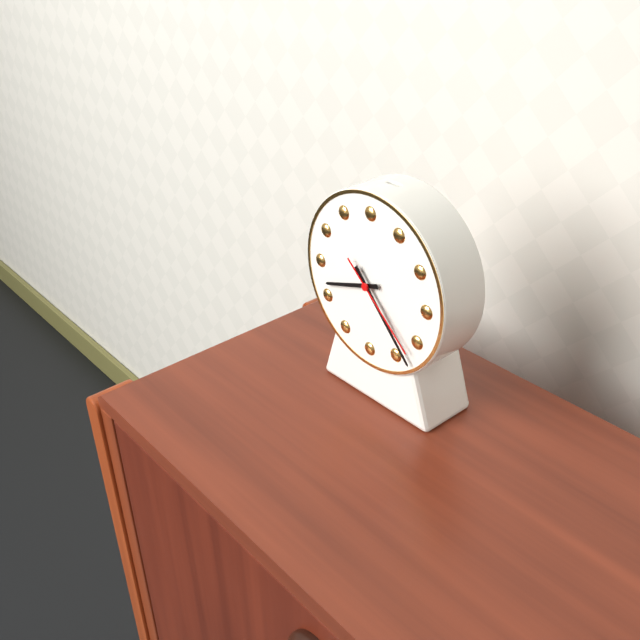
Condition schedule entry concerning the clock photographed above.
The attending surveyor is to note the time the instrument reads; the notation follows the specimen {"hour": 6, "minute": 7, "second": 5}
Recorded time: {"hour": 8, "minute": 23, "second": 22}
